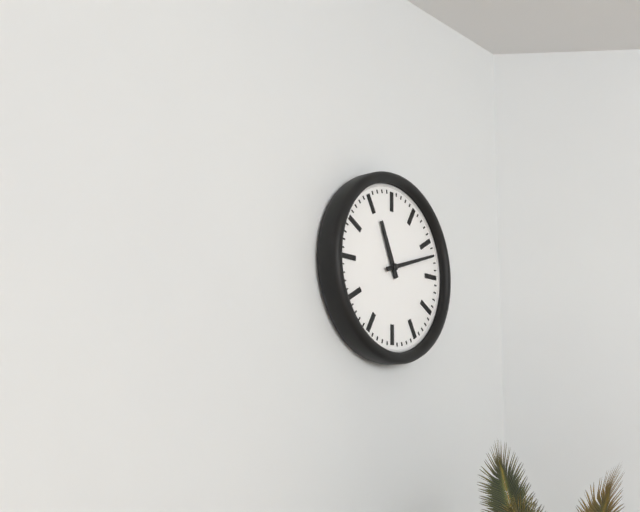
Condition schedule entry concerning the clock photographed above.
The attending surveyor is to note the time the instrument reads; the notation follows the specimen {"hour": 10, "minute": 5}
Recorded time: {"hour": 11, "minute": 12}
